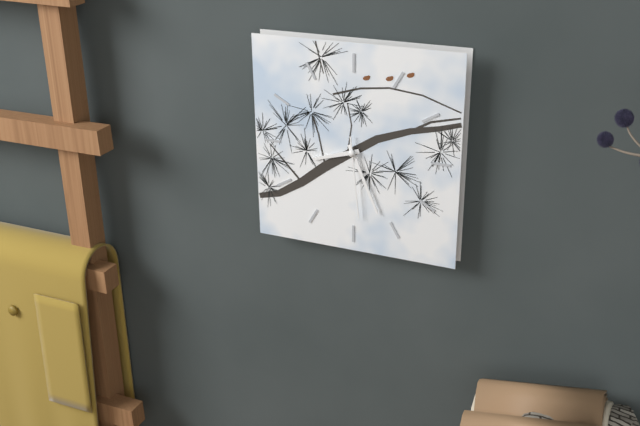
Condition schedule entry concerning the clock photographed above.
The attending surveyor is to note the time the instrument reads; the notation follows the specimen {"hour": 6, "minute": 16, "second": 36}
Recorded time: {"hour": 8, "minute": 26, "second": 29}
